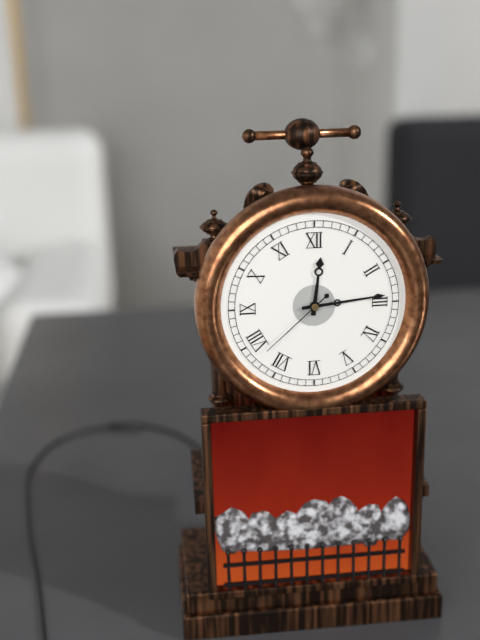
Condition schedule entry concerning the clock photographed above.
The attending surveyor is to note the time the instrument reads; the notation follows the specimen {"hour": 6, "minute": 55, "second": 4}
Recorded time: {"hour": 12, "minute": 14, "second": 38}
